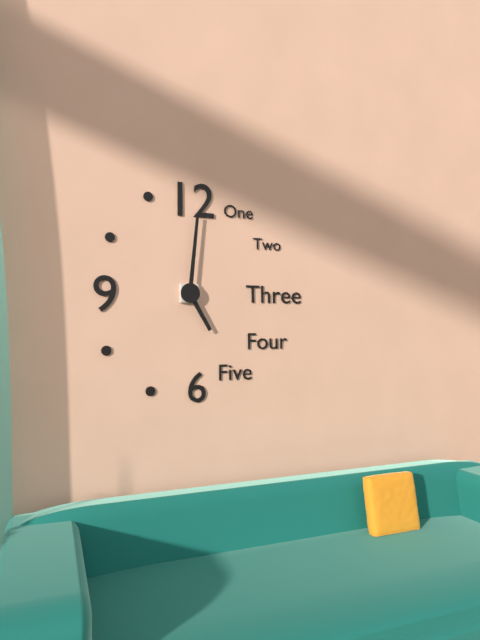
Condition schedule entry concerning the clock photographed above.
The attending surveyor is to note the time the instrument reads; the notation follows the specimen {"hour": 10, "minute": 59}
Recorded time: {"hour": 5, "minute": 1}
